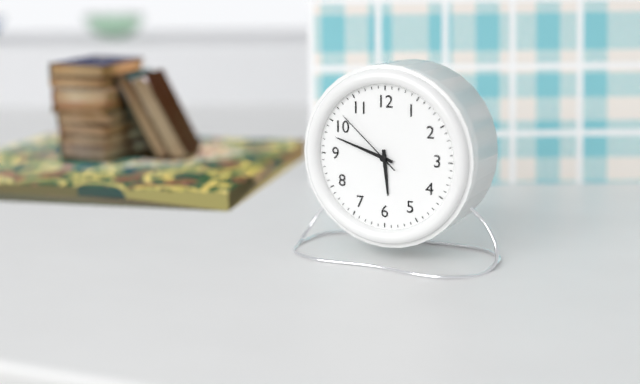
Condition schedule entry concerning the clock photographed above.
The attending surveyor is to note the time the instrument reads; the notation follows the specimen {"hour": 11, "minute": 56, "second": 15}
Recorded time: {"hour": 5, "minute": 48, "second": 52}
